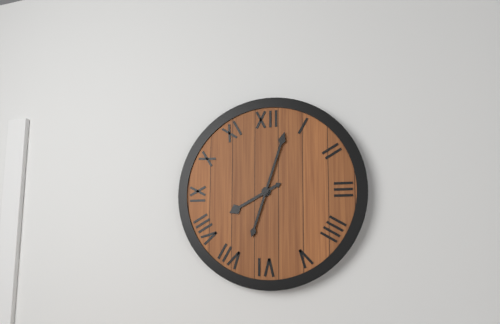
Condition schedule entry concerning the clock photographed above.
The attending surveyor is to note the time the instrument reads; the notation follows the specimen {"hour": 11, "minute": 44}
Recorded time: {"hour": 8, "minute": 3}
